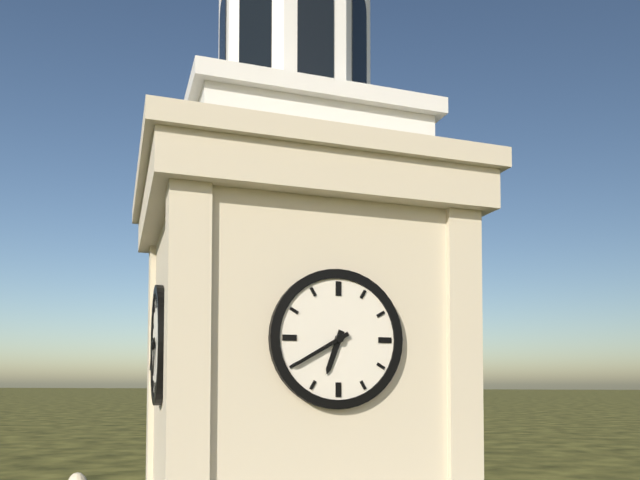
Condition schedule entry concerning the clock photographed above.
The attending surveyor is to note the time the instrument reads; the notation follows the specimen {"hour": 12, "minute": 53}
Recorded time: {"hour": 6, "minute": 40}
